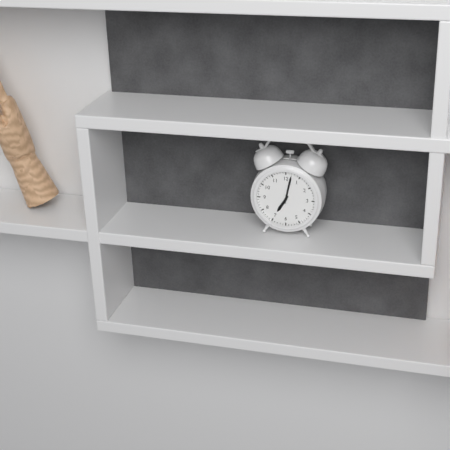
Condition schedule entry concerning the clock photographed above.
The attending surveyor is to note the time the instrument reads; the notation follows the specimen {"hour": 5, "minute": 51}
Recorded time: {"hour": 7, "minute": 2}
